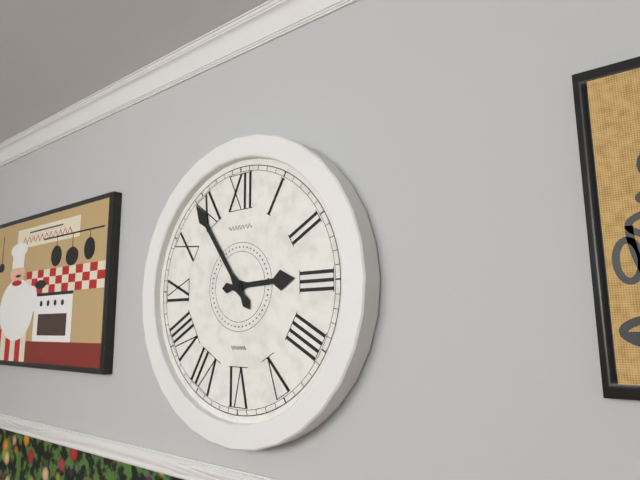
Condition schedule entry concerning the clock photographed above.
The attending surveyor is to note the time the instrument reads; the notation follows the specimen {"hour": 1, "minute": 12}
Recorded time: {"hour": 2, "minute": 54}
